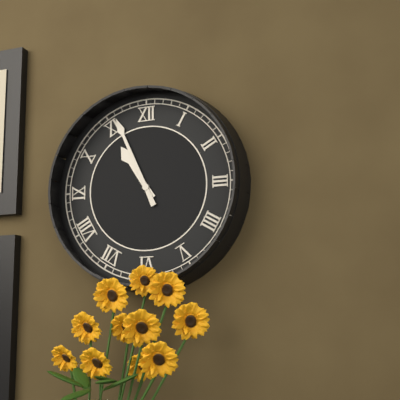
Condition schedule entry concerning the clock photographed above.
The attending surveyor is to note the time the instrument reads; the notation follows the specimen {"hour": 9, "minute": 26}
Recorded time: {"hour": 10, "minute": 56}
